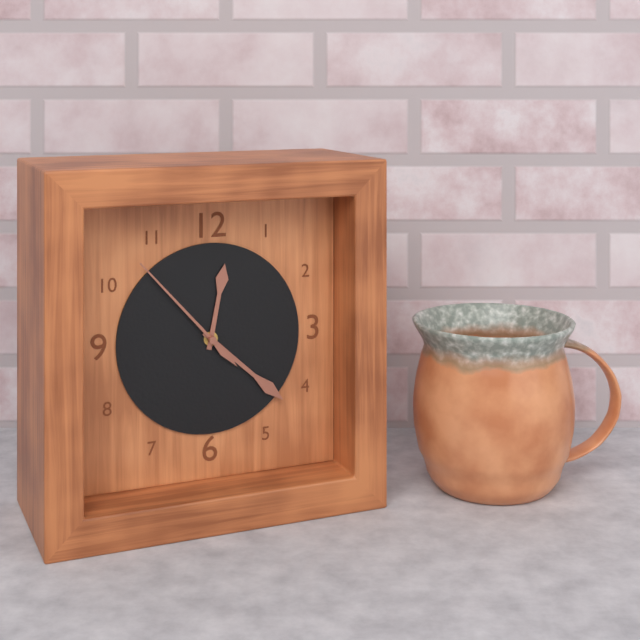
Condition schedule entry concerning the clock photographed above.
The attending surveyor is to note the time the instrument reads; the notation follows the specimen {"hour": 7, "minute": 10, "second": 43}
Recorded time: {"hour": 12, "minute": 22, "second": 53}
